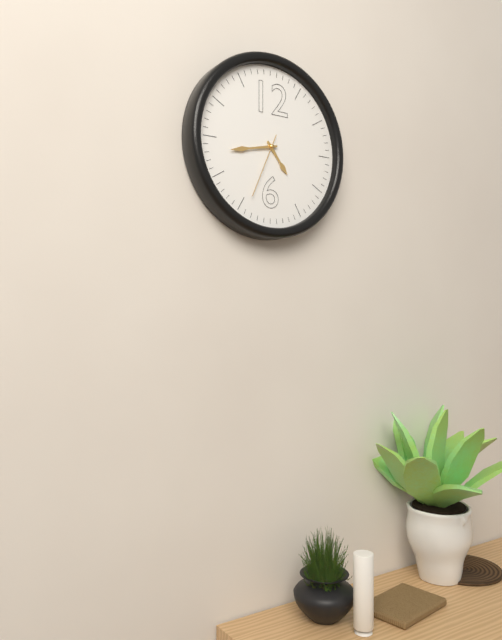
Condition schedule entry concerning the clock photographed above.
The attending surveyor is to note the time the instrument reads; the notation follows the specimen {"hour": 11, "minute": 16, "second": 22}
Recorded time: {"hour": 4, "minute": 43, "second": 34}
